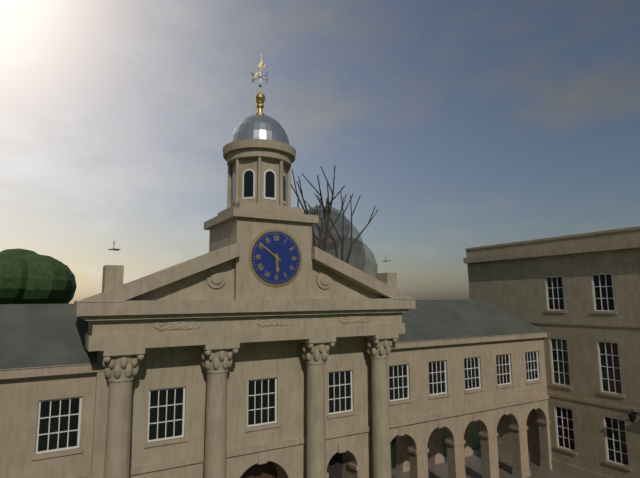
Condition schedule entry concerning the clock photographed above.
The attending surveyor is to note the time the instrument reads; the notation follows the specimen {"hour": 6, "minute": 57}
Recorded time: {"hour": 5, "minute": 51}
